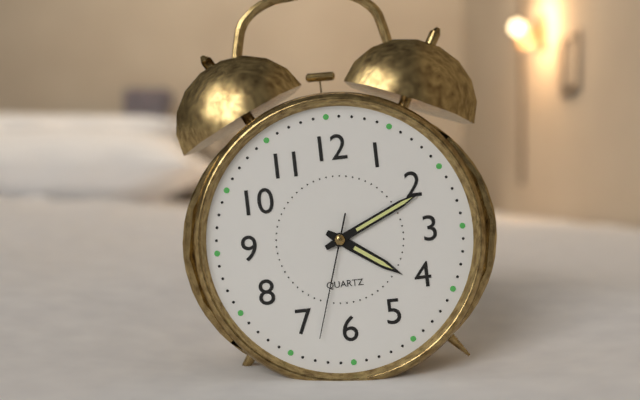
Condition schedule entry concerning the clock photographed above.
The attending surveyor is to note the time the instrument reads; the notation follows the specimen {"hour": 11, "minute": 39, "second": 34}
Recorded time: {"hour": 4, "minute": 11, "second": 33}
